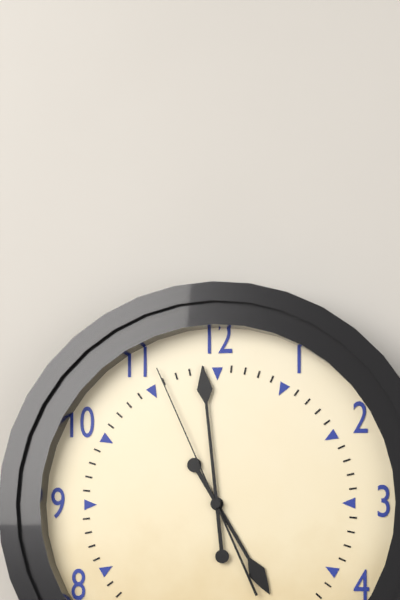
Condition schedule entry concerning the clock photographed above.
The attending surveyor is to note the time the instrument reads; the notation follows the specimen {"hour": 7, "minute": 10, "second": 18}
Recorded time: {"hour": 4, "minute": 59, "second": 56}
